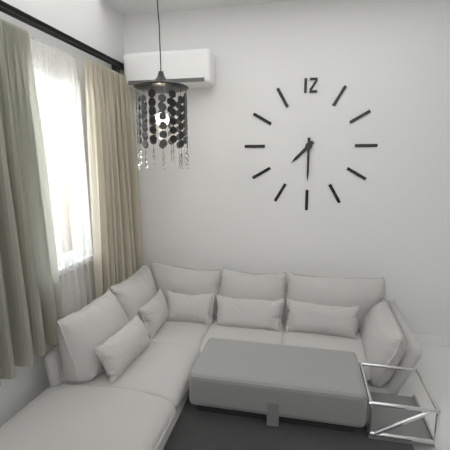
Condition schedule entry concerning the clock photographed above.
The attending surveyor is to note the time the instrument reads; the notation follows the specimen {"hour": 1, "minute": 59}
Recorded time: {"hour": 7, "minute": 30}
